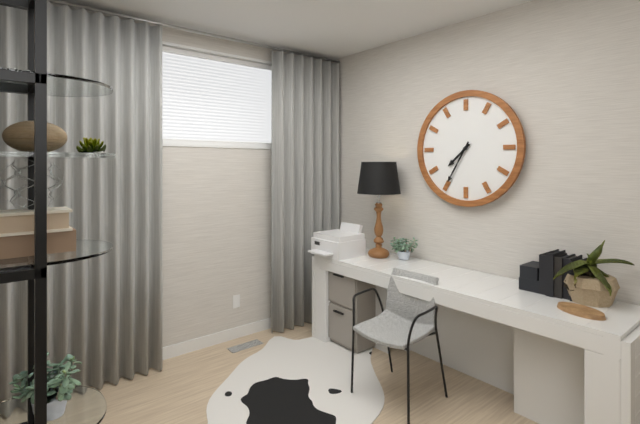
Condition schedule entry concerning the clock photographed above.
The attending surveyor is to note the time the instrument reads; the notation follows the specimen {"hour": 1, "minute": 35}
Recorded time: {"hour": 7, "minute": 35}
